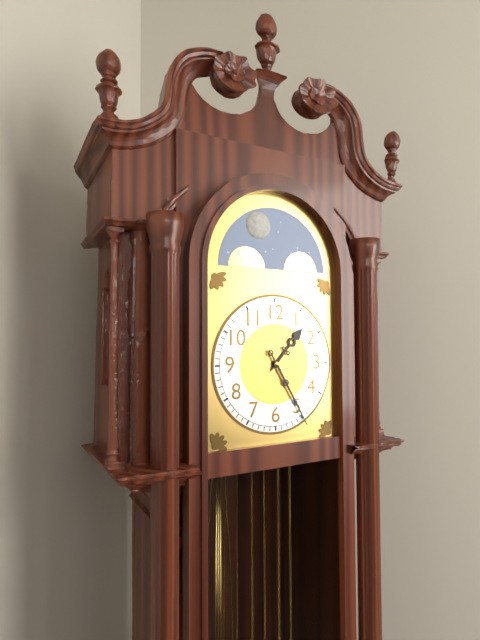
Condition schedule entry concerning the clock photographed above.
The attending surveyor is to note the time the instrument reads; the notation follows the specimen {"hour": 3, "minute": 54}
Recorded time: {"hour": 1, "minute": 25}
